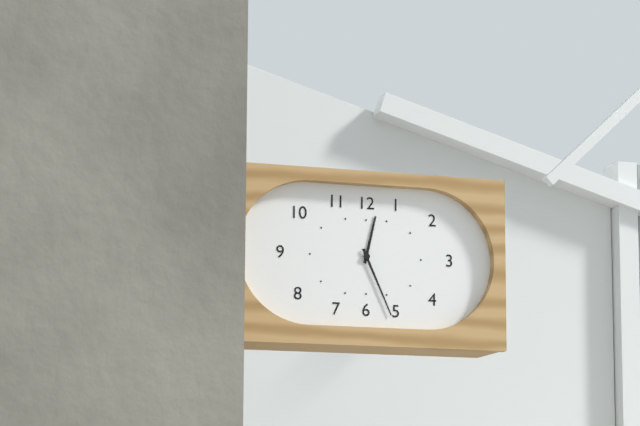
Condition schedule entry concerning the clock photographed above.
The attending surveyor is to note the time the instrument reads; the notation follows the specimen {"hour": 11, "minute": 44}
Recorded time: {"hour": 12, "minute": 26}
